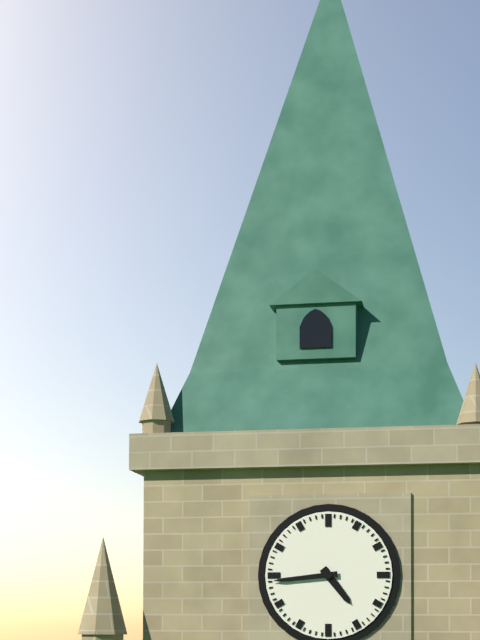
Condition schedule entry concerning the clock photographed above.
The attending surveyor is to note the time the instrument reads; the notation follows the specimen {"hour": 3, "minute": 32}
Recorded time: {"hour": 4, "minute": 44}
